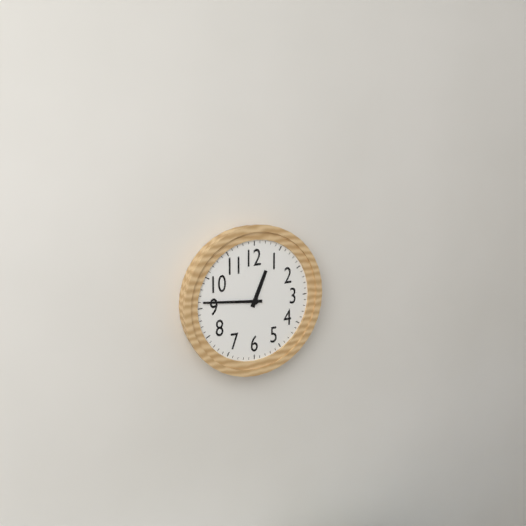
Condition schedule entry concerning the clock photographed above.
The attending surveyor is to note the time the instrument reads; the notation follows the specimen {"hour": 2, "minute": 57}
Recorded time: {"hour": 12, "minute": 46}
